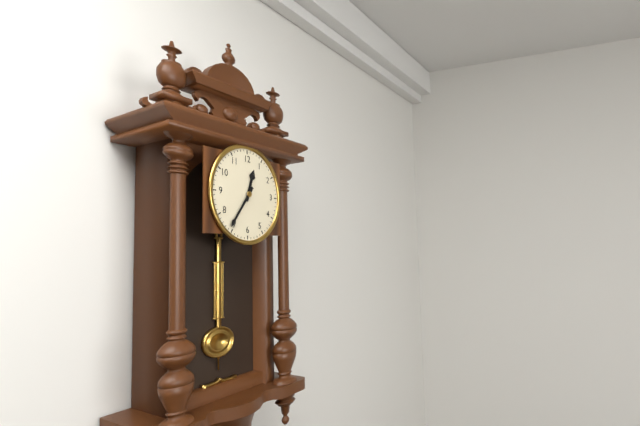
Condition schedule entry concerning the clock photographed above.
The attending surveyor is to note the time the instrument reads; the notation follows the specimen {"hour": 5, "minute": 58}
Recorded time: {"hour": 12, "minute": 36}
